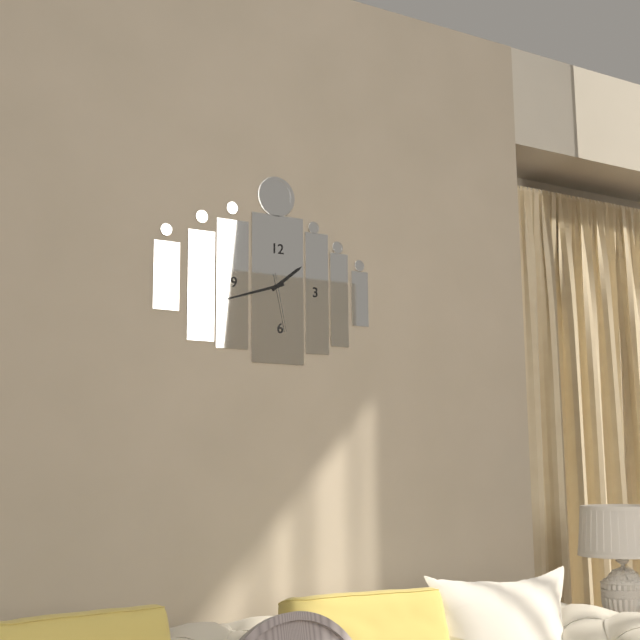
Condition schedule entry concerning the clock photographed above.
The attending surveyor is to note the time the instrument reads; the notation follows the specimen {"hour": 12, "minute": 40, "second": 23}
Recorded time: {"hour": 1, "minute": 42, "second": 28}
